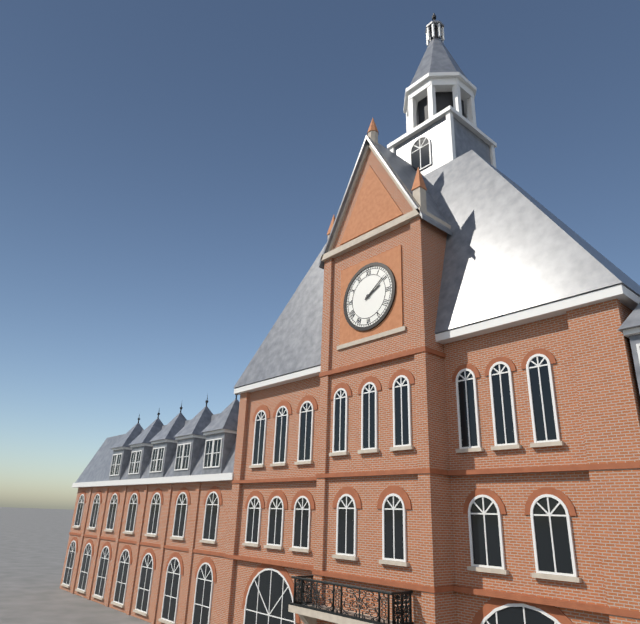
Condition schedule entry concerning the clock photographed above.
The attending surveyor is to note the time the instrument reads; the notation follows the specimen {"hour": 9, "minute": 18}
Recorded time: {"hour": 2, "minute": 9}
